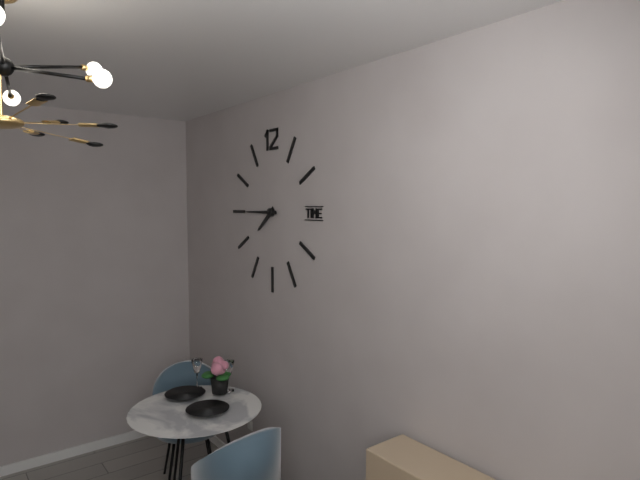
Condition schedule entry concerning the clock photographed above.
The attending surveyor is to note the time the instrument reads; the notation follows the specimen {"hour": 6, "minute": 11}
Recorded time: {"hour": 7, "minute": 45}
